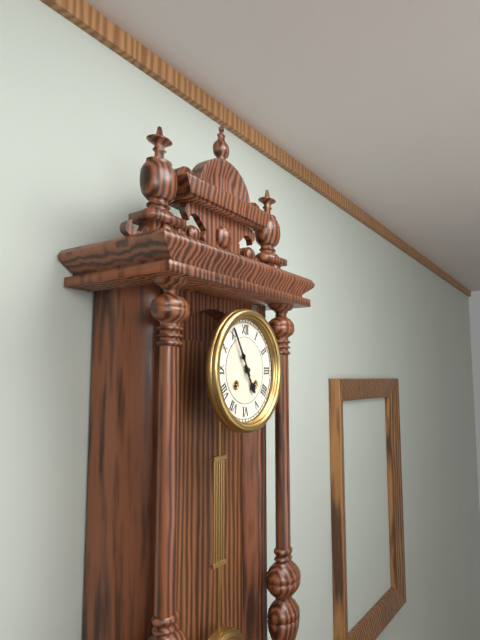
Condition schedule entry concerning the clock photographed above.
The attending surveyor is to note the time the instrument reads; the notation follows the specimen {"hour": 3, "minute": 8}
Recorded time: {"hour": 4, "minute": 55}
